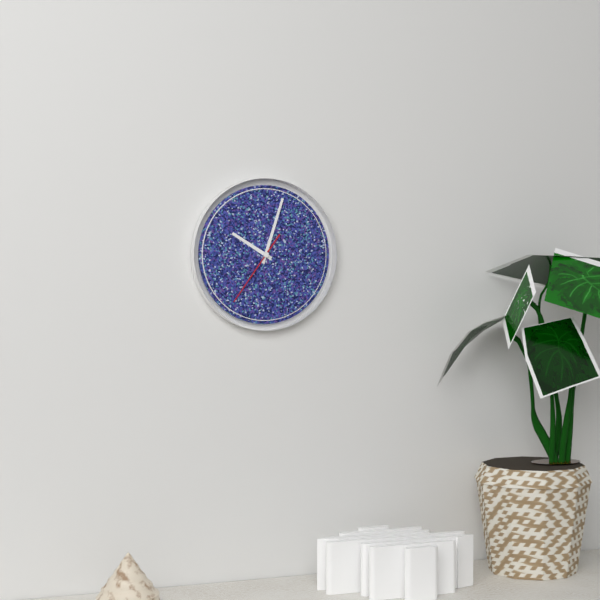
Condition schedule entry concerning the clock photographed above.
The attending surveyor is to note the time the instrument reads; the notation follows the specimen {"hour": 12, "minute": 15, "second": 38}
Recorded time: {"hour": 10, "minute": 3, "second": 36}
